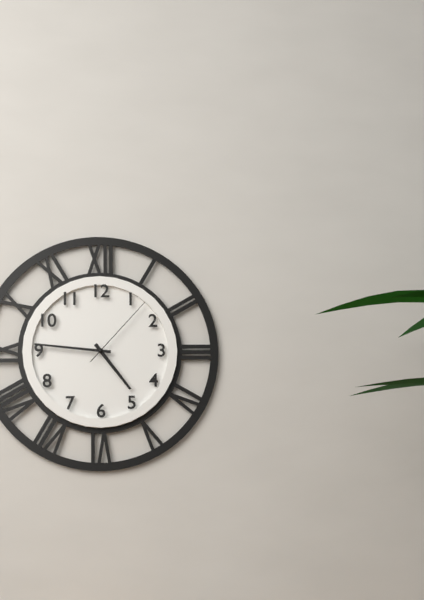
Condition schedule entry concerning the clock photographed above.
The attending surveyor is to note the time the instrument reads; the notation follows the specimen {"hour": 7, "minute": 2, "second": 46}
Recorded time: {"hour": 4, "minute": 46, "second": 7}
